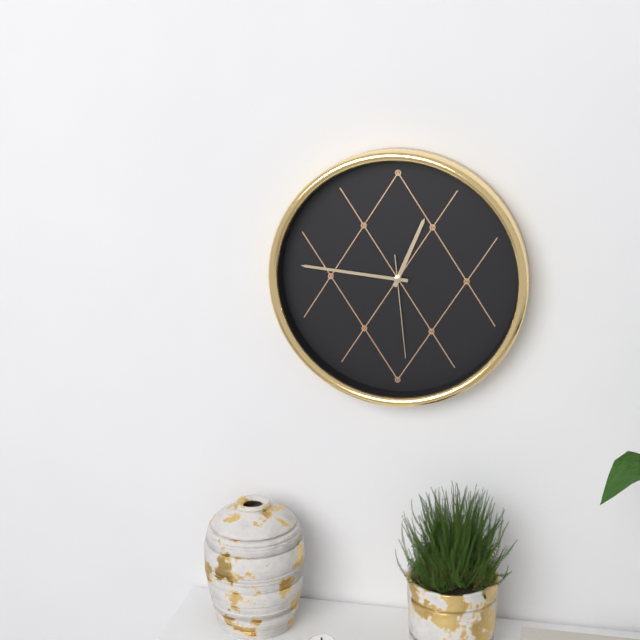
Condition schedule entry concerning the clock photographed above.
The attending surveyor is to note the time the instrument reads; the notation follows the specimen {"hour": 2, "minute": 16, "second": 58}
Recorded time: {"hour": 12, "minute": 46, "second": 29}
